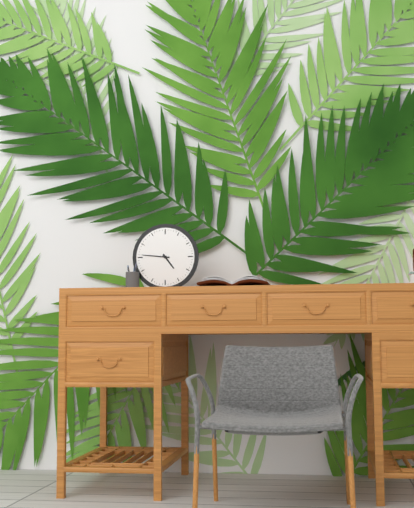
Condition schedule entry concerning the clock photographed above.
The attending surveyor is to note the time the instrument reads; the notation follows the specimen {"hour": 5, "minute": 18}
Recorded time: {"hour": 4, "minute": 46}
